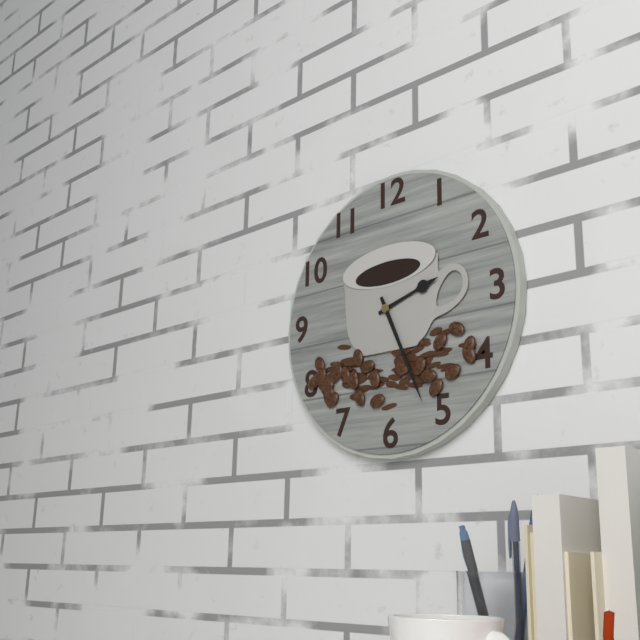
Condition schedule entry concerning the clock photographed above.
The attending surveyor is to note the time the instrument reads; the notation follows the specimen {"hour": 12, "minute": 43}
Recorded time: {"hour": 2, "minute": 26}
